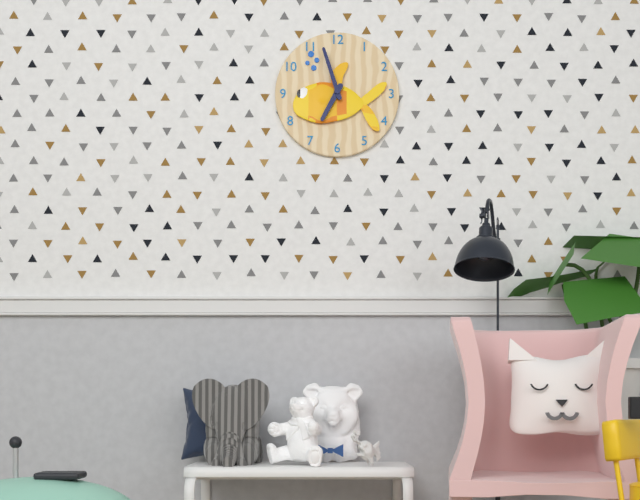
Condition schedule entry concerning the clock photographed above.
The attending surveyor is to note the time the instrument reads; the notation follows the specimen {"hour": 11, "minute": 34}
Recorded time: {"hour": 6, "minute": 57}
